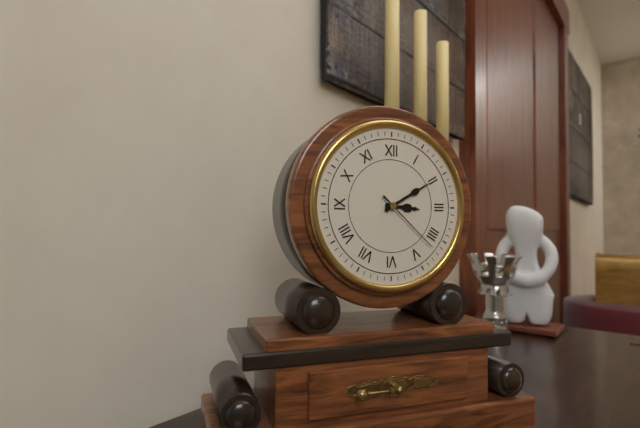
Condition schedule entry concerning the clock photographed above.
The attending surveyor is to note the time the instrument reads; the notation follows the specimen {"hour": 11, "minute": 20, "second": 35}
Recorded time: {"hour": 3, "minute": 10, "second": 22}
